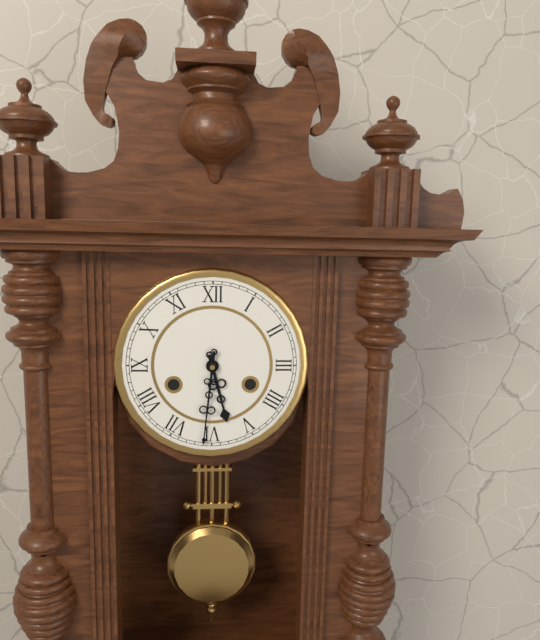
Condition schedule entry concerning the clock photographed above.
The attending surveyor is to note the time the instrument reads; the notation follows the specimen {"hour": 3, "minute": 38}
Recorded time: {"hour": 5, "minute": 31}
